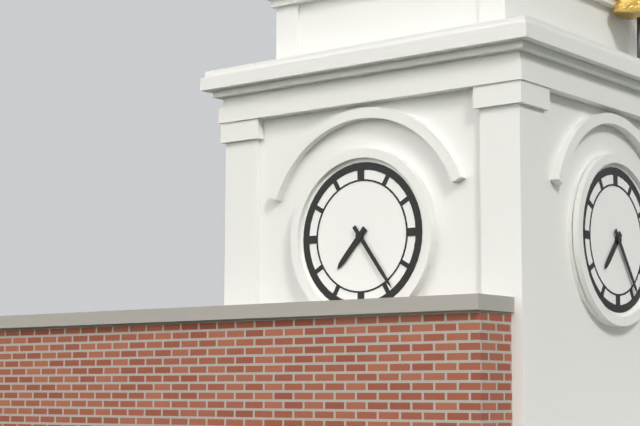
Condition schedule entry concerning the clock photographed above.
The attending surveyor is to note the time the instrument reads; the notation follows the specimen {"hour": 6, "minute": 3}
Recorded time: {"hour": 7, "minute": 24}
